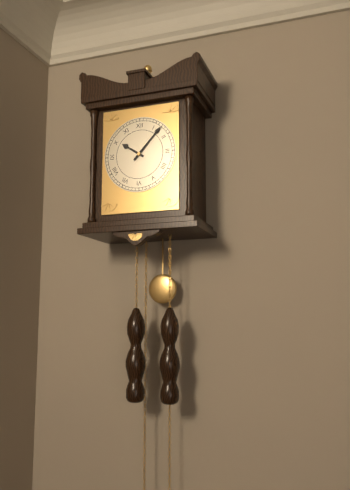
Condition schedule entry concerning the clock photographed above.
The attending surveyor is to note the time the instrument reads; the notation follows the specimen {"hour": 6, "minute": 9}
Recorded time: {"hour": 10, "minute": 7}
